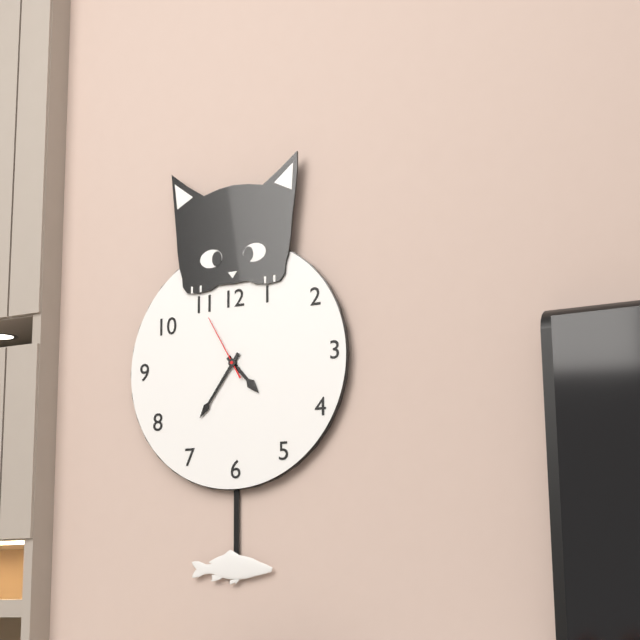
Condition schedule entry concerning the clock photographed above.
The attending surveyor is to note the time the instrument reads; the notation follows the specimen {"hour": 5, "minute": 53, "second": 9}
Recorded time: {"hour": 4, "minute": 36, "second": 55}
